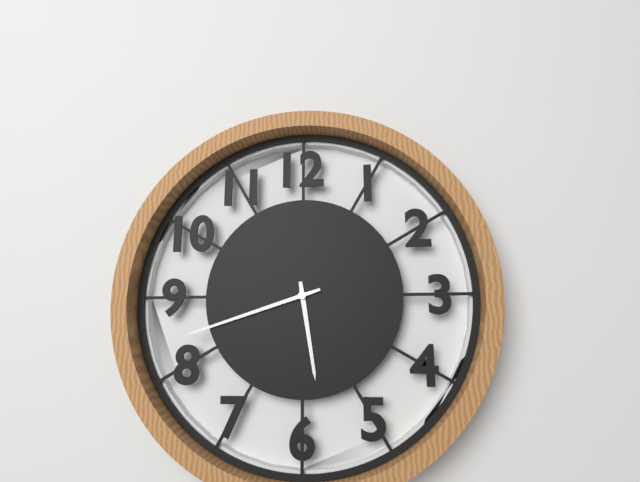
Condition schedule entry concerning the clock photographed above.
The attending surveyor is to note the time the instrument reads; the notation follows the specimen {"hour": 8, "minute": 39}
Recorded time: {"hour": 5, "minute": 42}
